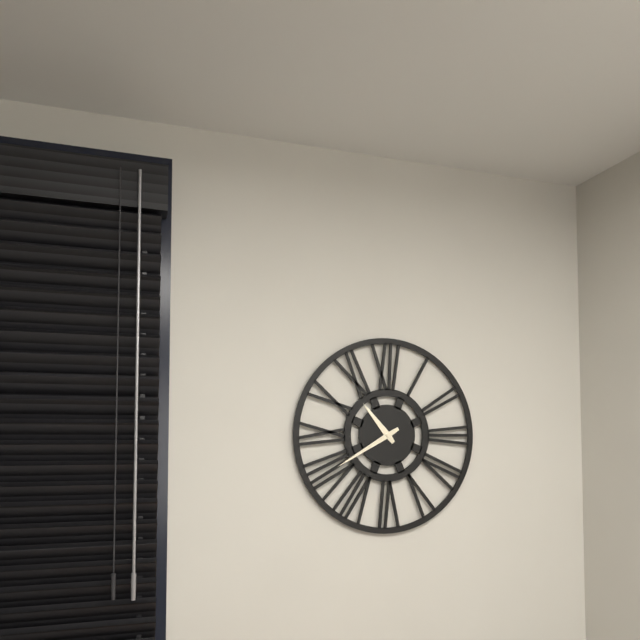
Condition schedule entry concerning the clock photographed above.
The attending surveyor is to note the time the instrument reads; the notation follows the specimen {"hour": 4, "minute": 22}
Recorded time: {"hour": 10, "minute": 40}
